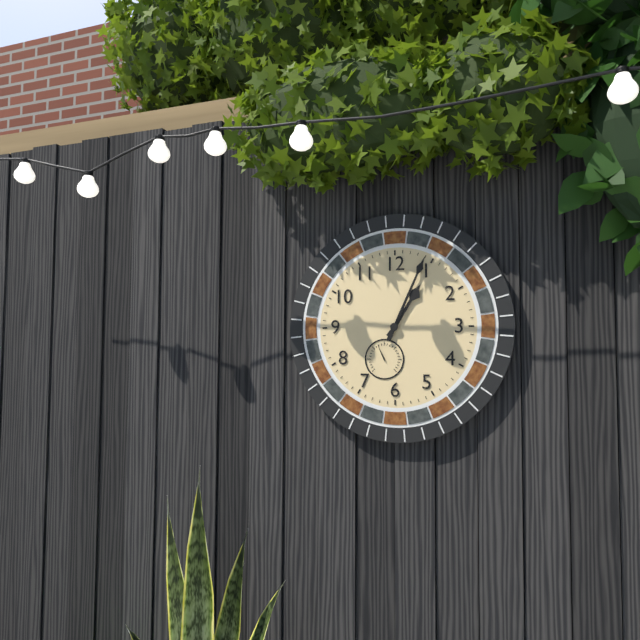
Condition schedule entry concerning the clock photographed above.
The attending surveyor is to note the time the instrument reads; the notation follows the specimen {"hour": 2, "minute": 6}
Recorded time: {"hour": 1, "minute": 4}
